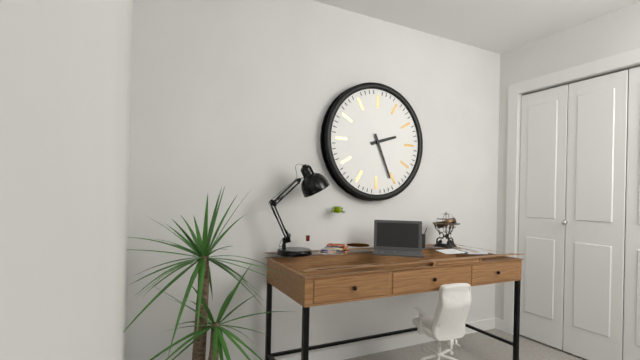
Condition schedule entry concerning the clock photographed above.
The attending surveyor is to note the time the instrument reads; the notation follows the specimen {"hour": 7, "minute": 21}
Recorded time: {"hour": 2, "minute": 26}
